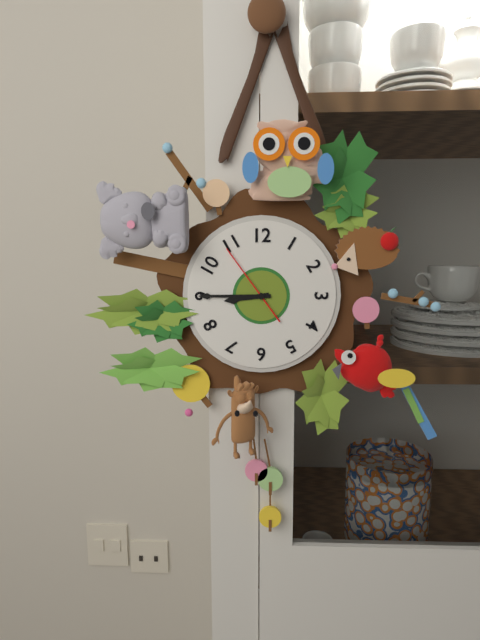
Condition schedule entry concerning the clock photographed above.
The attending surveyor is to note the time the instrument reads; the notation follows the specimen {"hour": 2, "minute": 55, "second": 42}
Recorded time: {"hour": 8, "minute": 45, "second": 54}
